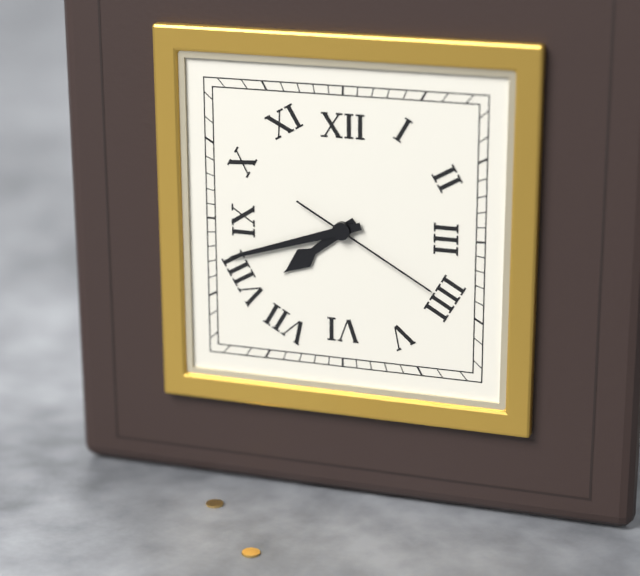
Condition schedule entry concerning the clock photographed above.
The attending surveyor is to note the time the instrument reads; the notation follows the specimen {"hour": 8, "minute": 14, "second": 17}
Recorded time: {"hour": 7, "minute": 42, "second": 20}
